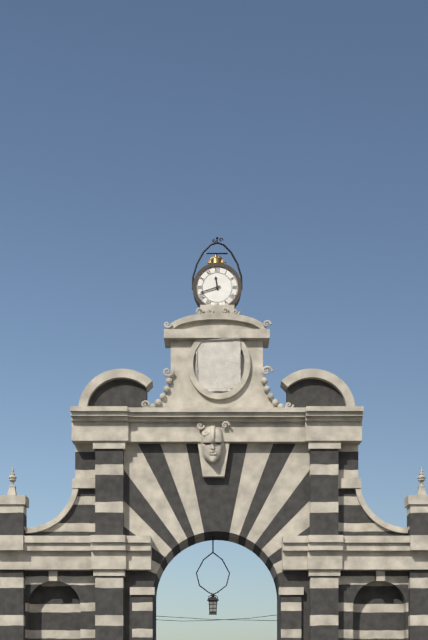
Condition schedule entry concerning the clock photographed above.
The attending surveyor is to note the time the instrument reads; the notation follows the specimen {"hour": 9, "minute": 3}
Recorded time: {"hour": 11, "minute": 42}
